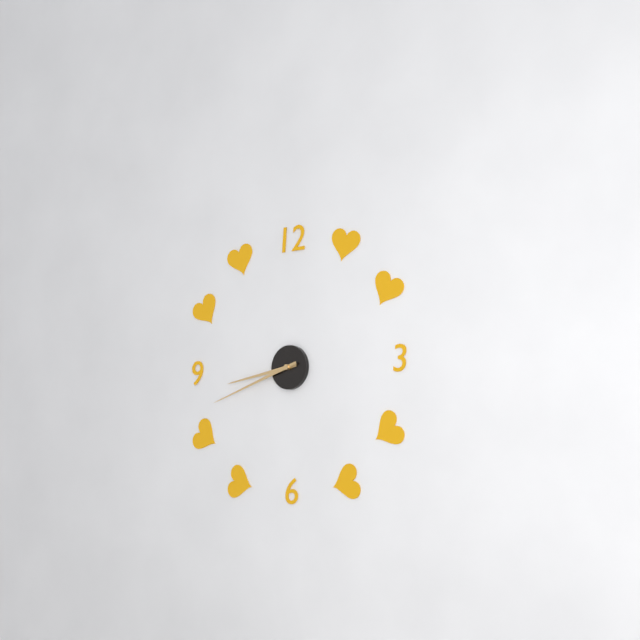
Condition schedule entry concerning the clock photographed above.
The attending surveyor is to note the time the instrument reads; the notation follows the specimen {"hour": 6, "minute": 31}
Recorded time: {"hour": 8, "minute": 42}
